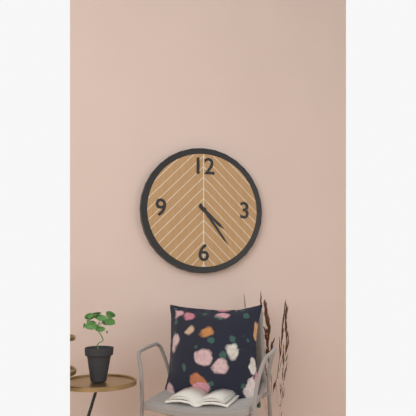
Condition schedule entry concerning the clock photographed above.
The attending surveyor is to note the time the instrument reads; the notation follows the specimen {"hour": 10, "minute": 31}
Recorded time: {"hour": 4, "minute": 24}
